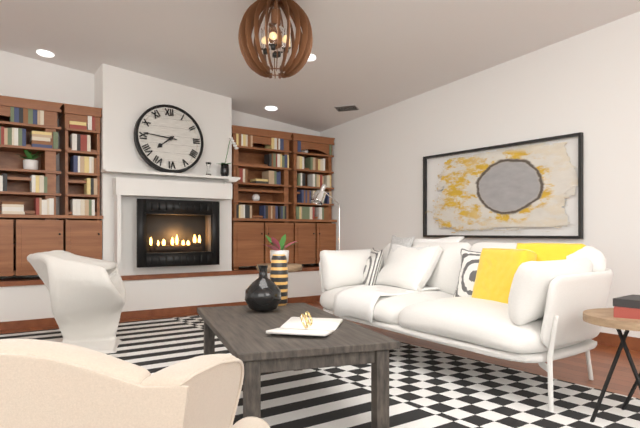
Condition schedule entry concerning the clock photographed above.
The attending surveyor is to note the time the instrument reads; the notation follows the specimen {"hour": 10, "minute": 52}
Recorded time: {"hour": 7, "minute": 46}
